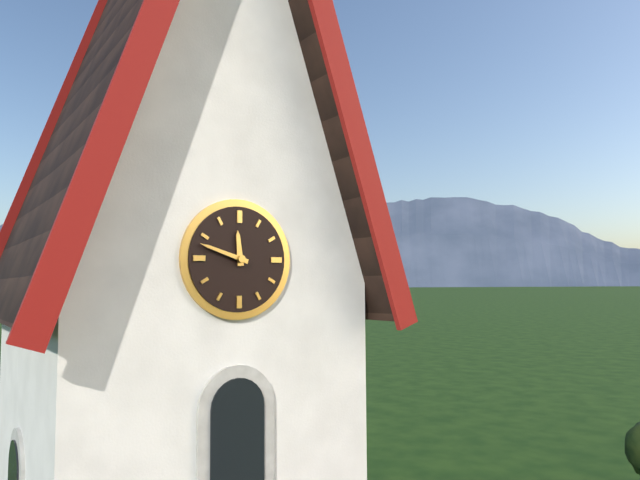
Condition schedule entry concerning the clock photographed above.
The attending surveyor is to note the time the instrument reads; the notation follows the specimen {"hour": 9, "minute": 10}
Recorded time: {"hour": 11, "minute": 48}
